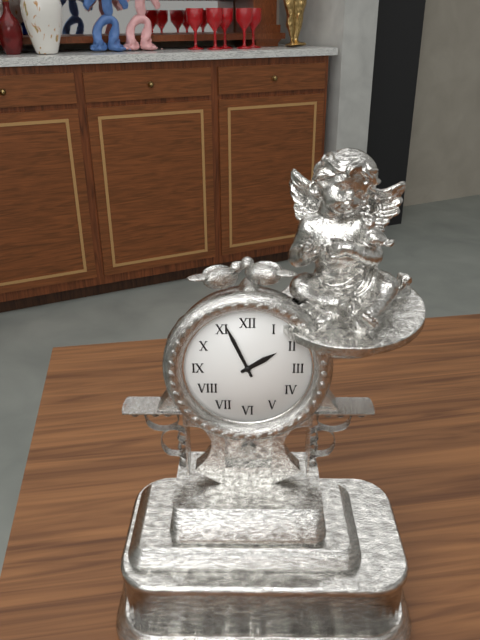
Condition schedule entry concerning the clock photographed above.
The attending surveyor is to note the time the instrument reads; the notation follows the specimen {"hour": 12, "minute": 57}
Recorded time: {"hour": 1, "minute": 56}
